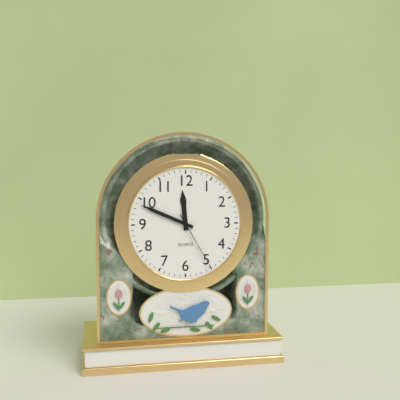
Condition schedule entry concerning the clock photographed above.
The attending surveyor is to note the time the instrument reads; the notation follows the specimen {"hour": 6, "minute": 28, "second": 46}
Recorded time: {"hour": 11, "minute": 49, "second": 25}
